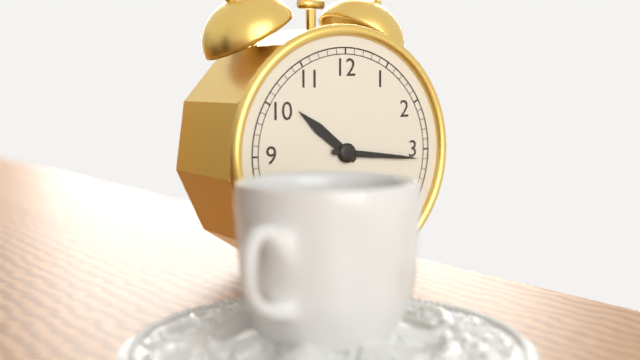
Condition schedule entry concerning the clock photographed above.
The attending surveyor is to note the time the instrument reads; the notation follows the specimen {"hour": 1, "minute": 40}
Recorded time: {"hour": 10, "minute": 16}
